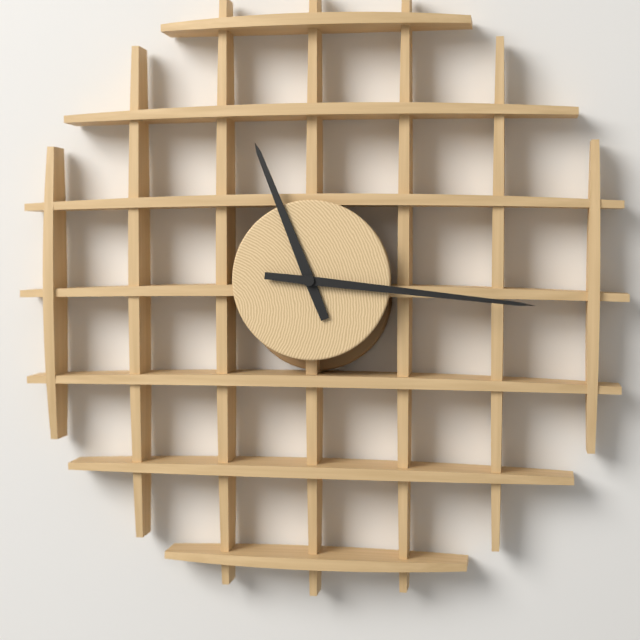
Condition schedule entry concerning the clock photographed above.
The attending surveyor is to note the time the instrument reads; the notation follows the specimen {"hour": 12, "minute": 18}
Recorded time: {"hour": 11, "minute": 16}
